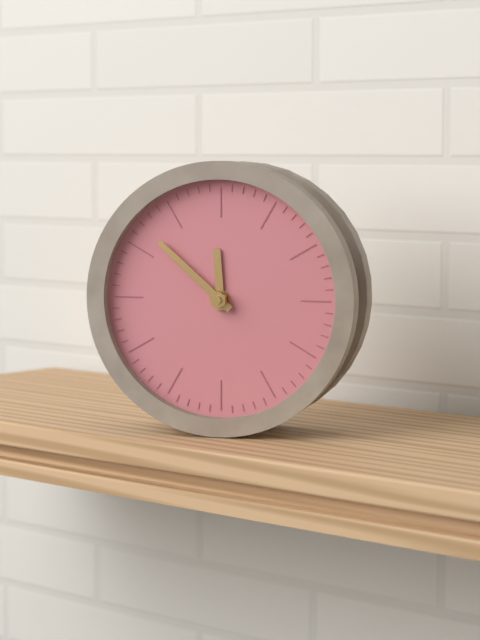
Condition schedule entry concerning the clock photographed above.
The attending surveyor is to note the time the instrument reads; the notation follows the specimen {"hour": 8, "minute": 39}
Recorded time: {"hour": 11, "minute": 52}
